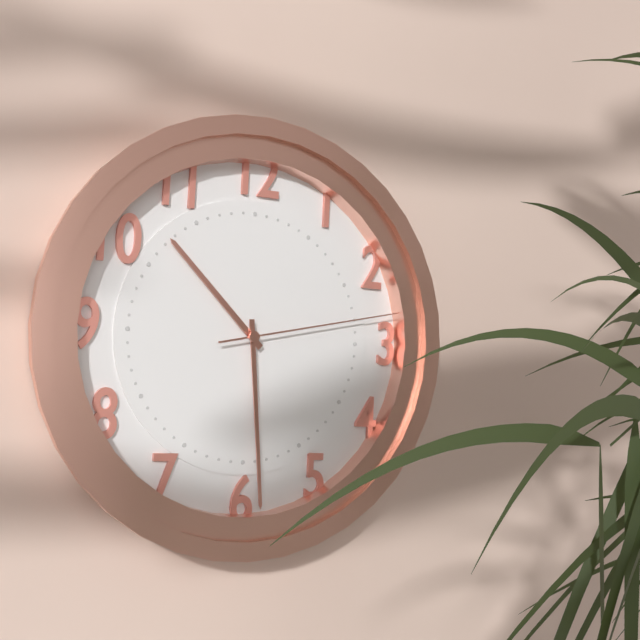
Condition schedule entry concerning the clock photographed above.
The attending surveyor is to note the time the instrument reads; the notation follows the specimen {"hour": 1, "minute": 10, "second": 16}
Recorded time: {"hour": 10, "minute": 29, "second": 13}
